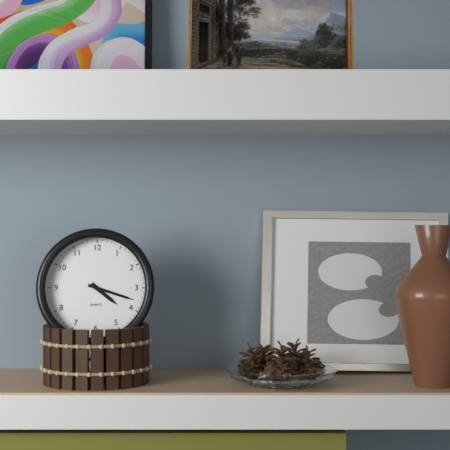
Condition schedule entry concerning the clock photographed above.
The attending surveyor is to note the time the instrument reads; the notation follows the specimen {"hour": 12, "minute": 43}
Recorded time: {"hour": 4, "minute": 18}
